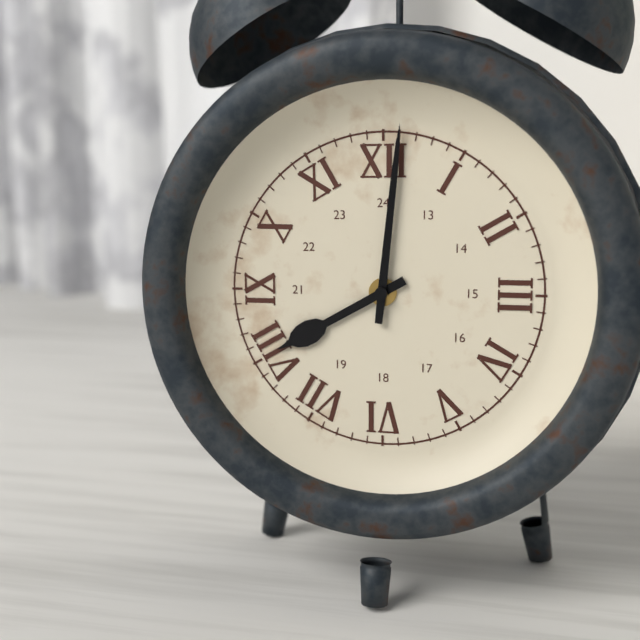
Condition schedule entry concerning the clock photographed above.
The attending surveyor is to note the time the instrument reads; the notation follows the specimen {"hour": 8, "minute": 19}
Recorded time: {"hour": 8, "minute": 1}
